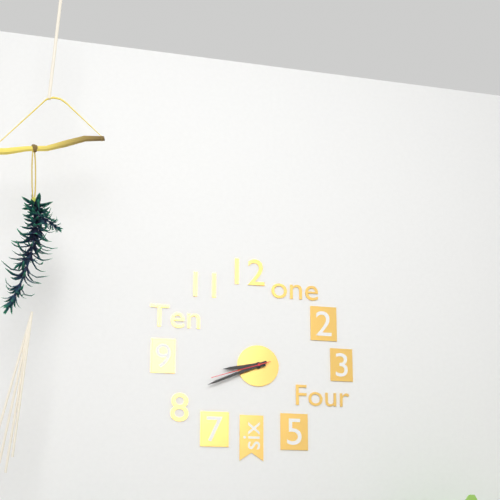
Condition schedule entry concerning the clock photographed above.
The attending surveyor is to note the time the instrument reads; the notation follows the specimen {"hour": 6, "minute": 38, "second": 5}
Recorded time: {"hour": 8, "minute": 41, "second": 42}
